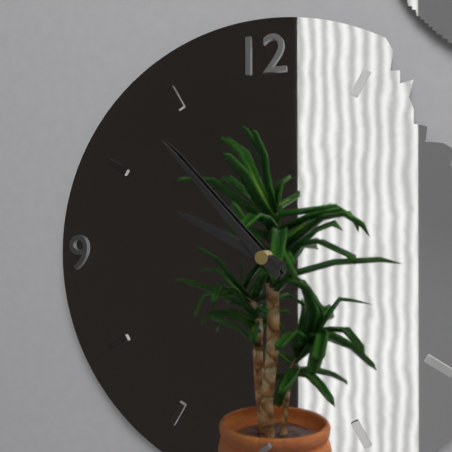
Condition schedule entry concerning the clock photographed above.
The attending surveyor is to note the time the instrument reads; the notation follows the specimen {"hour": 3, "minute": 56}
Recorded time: {"hour": 9, "minute": 53}
